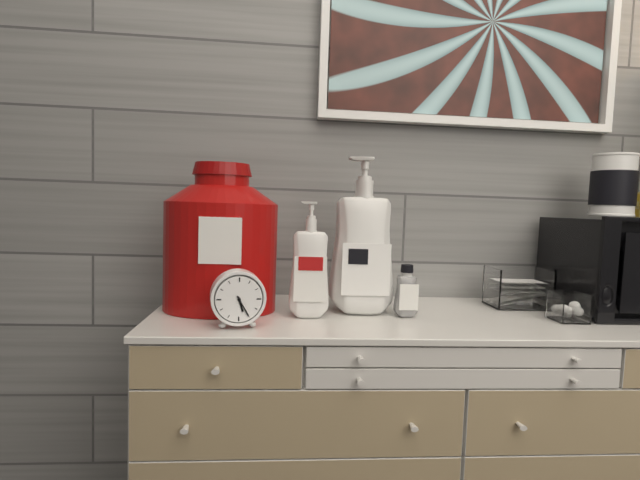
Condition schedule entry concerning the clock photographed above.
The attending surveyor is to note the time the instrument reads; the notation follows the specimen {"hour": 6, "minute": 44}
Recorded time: {"hour": 5, "minute": 25}
